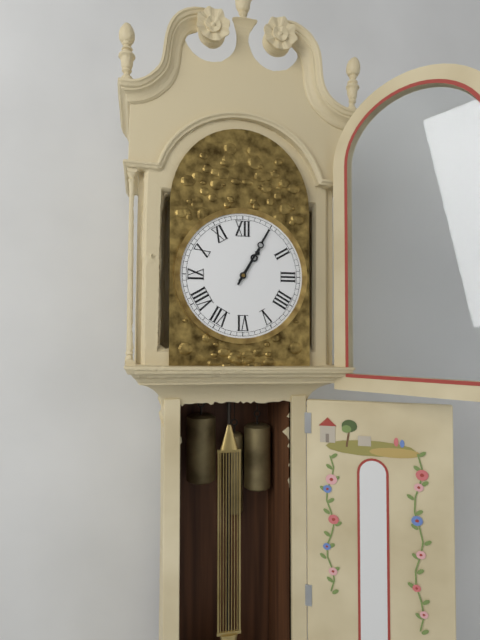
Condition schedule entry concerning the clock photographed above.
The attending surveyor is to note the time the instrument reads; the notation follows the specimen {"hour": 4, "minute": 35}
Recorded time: {"hour": 1, "minute": 5}
